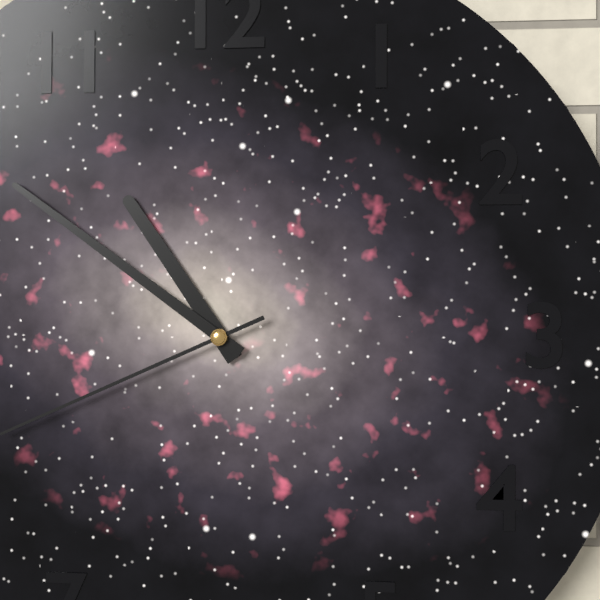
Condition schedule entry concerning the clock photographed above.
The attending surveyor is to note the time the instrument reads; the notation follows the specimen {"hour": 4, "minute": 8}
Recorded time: {"hour": 10, "minute": 51}
